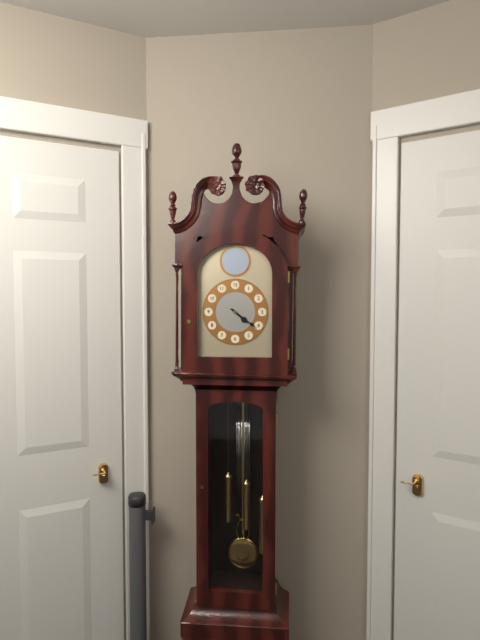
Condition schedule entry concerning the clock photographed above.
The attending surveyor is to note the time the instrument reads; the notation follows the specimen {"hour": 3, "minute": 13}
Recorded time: {"hour": 4, "minute": 21}
